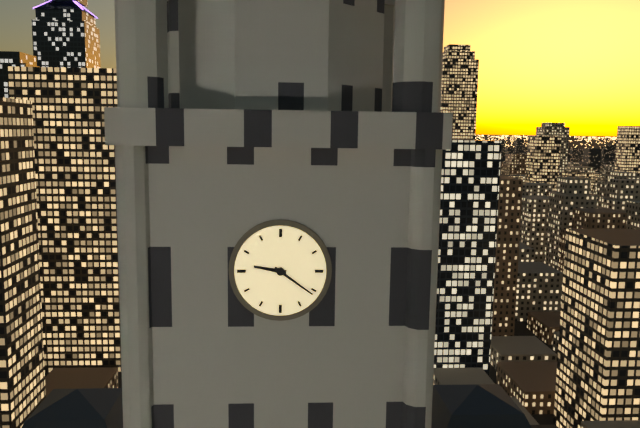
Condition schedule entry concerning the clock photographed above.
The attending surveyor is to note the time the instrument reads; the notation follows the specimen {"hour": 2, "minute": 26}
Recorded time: {"hour": 9, "minute": 21}
